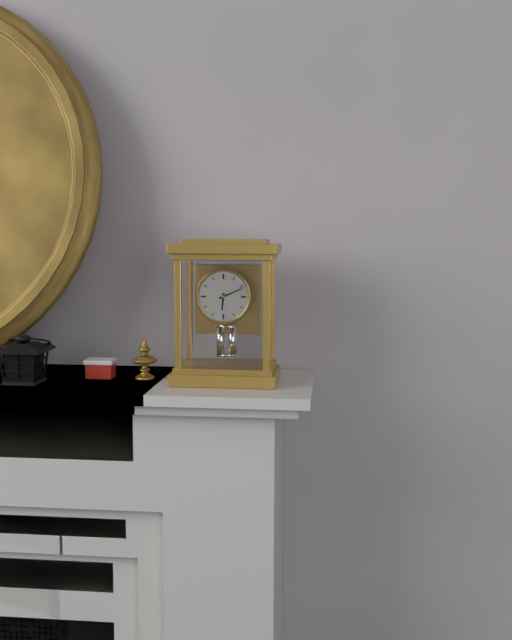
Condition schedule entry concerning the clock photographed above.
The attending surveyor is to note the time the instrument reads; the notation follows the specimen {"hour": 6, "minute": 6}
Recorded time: {"hour": 6, "minute": 11}
